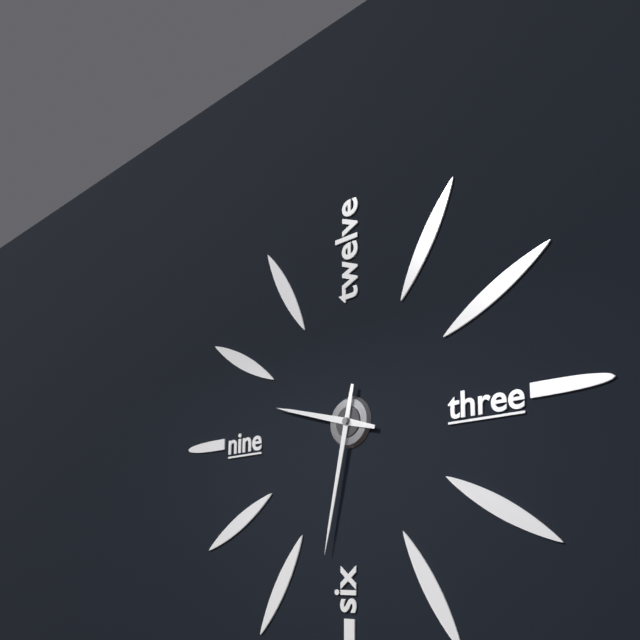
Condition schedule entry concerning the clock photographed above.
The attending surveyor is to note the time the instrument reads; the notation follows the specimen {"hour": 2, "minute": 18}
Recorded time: {"hour": 9, "minute": 32}
